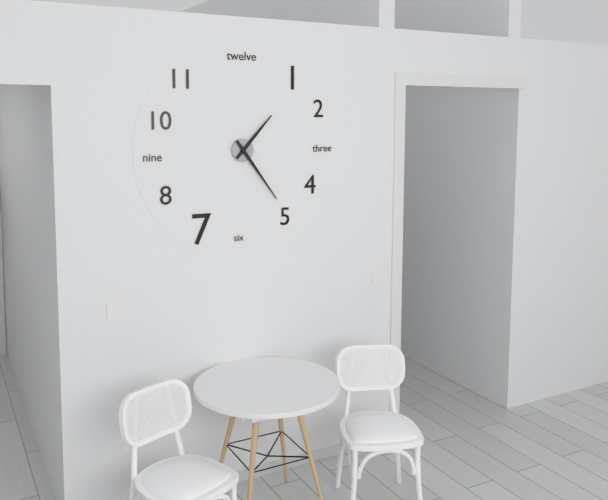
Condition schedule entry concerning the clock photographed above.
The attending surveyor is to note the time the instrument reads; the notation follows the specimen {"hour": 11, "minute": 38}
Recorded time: {"hour": 1, "minute": 24}
